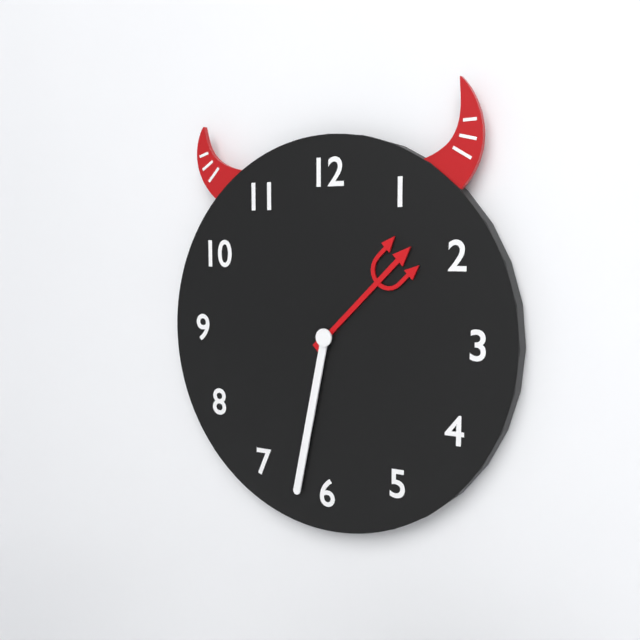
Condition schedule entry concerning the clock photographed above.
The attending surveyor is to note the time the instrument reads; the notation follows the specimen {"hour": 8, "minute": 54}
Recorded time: {"hour": 1, "minute": 32}
